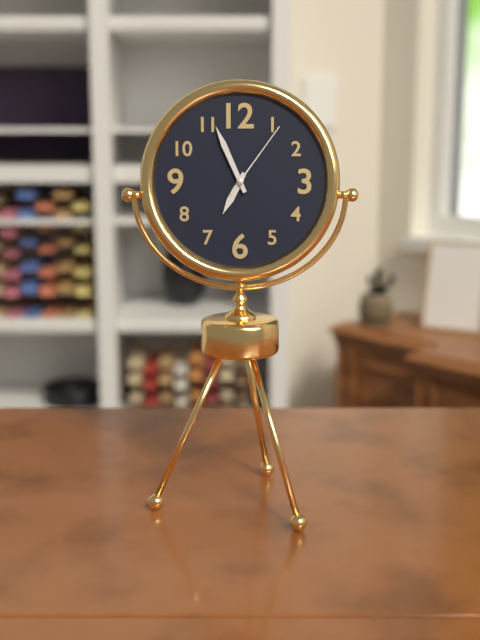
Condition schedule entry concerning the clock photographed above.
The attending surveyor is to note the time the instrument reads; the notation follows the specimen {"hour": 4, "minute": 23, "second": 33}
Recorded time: {"hour": 6, "minute": 56, "second": 6}
